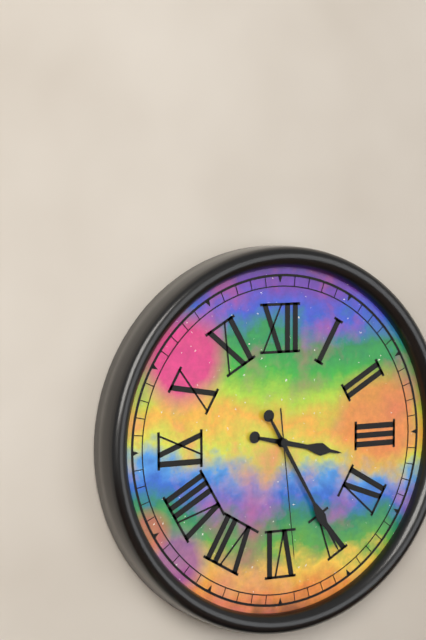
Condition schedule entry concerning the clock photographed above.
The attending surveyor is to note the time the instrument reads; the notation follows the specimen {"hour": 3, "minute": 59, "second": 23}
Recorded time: {"hour": 3, "minute": 25, "second": 29}
